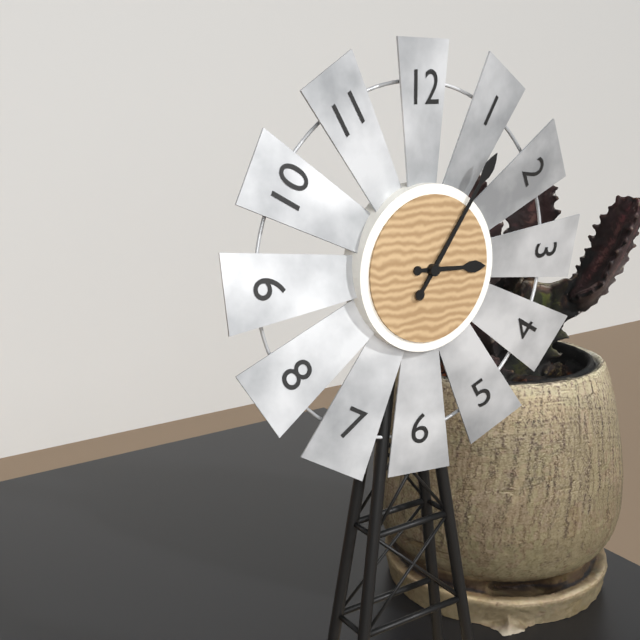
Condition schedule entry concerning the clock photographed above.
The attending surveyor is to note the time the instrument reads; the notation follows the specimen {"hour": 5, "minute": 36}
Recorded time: {"hour": 3, "minute": 6}
